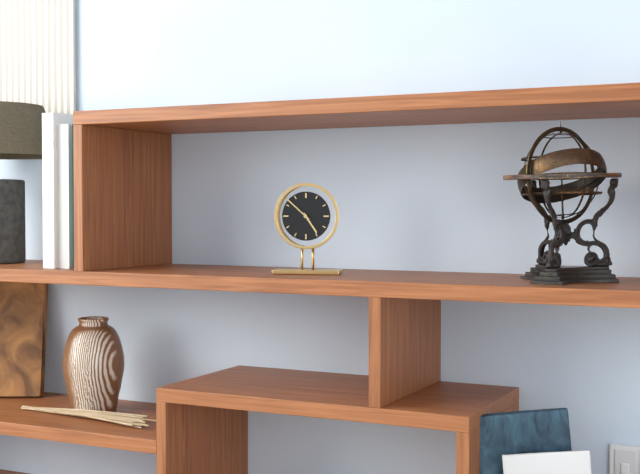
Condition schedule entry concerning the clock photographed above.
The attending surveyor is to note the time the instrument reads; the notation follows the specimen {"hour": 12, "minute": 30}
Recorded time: {"hour": 4, "minute": 52}
